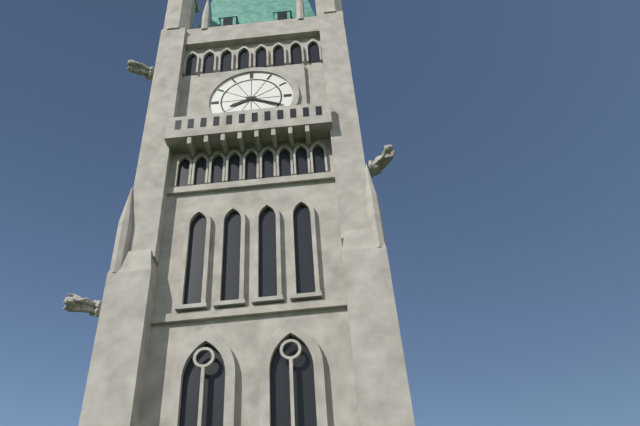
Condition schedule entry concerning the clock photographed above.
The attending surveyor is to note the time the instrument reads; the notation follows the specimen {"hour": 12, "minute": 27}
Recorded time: {"hour": 8, "minute": 19}
